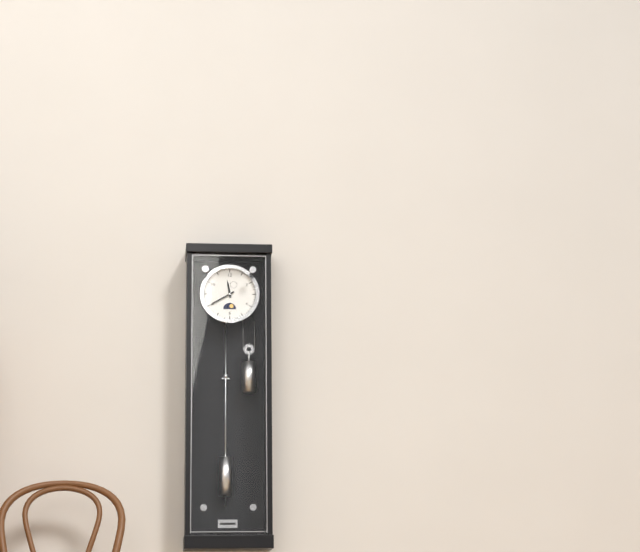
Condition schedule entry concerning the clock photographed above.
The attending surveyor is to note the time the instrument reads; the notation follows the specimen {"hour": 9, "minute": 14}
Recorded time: {"hour": 11, "minute": 40}
